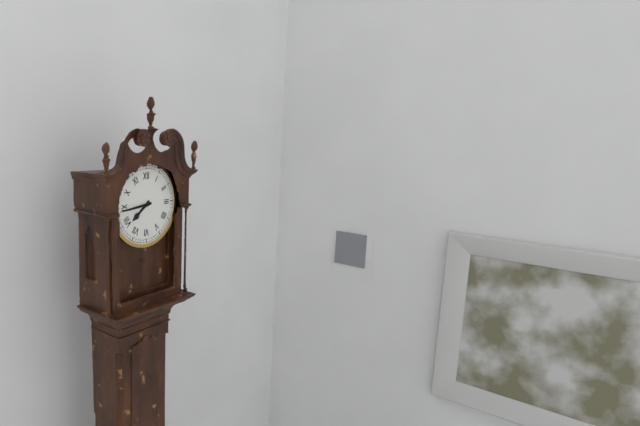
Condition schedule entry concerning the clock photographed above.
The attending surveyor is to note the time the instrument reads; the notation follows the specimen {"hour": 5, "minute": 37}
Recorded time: {"hour": 7, "minute": 44}
